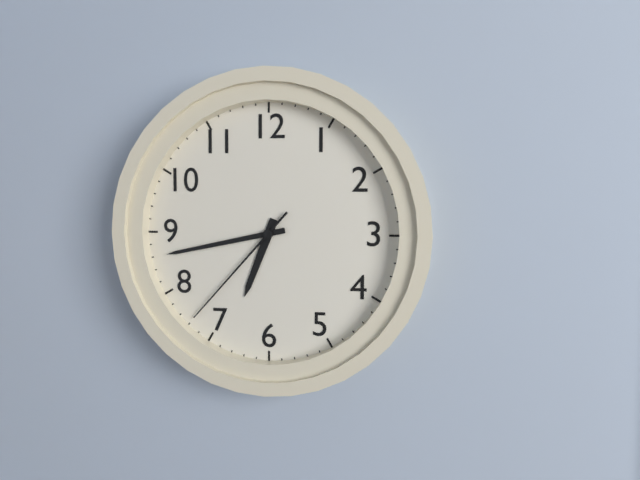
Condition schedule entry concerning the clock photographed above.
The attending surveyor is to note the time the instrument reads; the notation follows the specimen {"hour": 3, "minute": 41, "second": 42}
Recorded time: {"hour": 6, "minute": 43, "second": 37}
